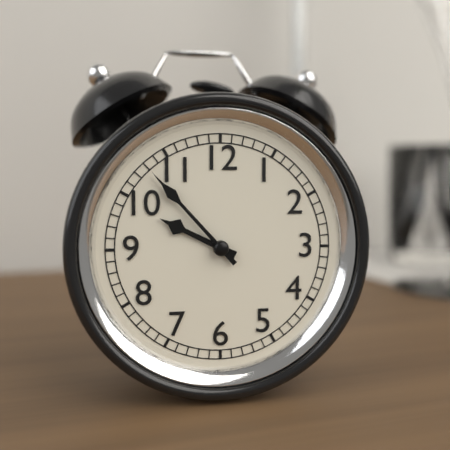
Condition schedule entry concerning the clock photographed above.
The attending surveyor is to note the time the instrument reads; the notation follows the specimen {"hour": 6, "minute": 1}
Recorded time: {"hour": 9, "minute": 53}
